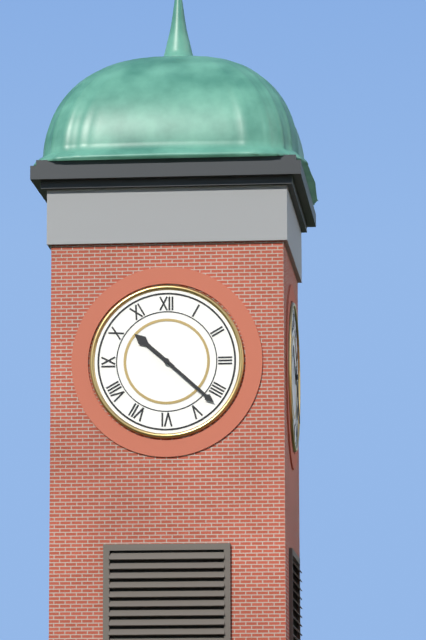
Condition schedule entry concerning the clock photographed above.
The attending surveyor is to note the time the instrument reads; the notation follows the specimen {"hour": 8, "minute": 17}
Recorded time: {"hour": 10, "minute": 22}
